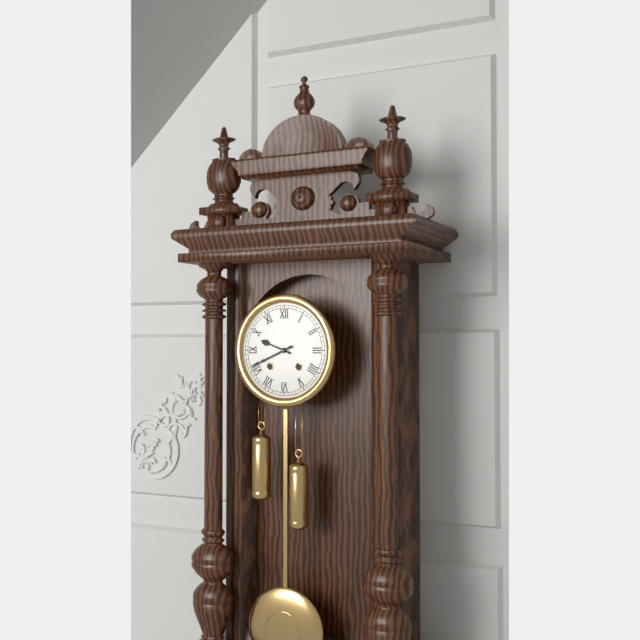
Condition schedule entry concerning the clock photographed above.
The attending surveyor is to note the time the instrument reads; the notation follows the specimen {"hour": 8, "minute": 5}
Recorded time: {"hour": 9, "minute": 41}
